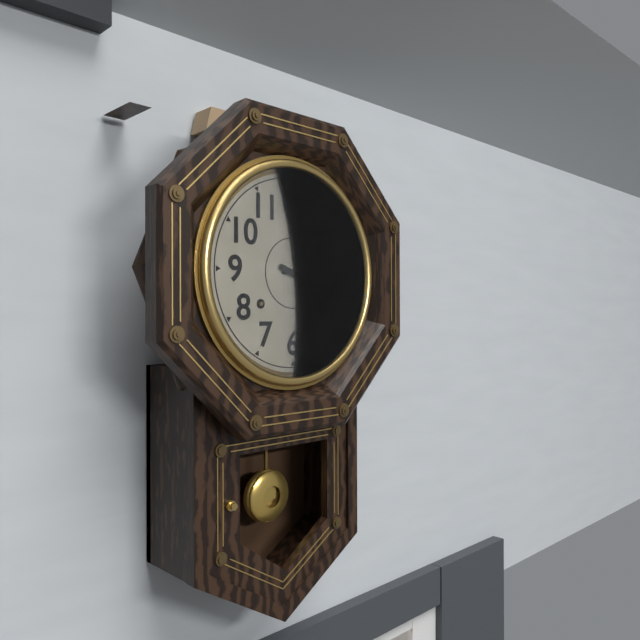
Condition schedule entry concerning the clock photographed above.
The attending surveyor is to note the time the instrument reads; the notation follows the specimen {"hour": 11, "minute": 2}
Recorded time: {"hour": 3, "minute": 18}
